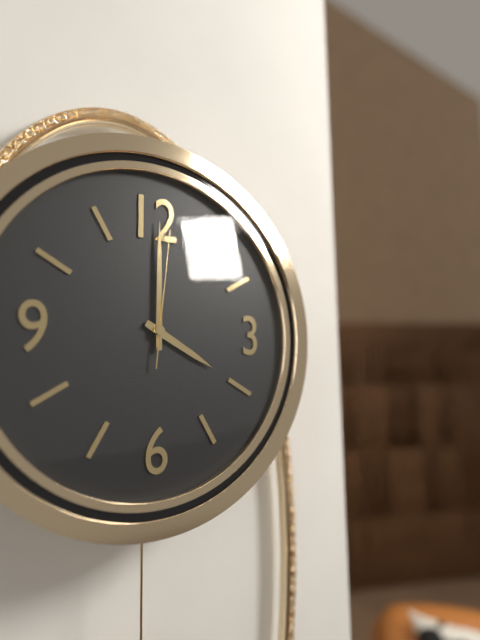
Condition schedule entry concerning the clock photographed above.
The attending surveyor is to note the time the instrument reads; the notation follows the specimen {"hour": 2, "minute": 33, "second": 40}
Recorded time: {"hour": 4, "minute": 0, "second": 1}
